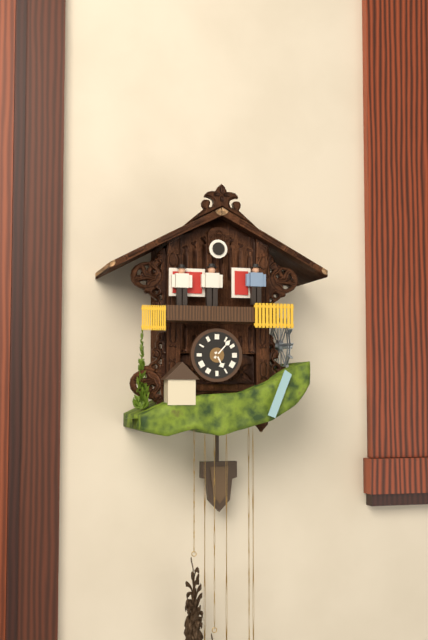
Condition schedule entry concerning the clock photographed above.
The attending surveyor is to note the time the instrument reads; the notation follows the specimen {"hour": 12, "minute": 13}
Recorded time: {"hour": 5, "minute": 7}
